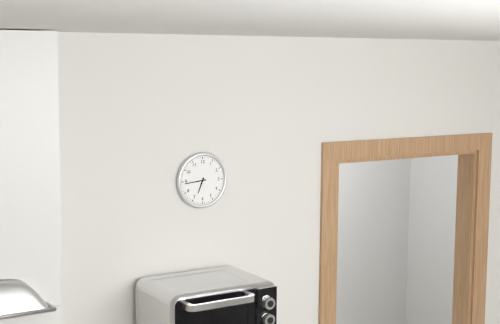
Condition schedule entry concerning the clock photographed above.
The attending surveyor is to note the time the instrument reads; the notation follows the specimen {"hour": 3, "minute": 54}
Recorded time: {"hour": 6, "minute": 44}
